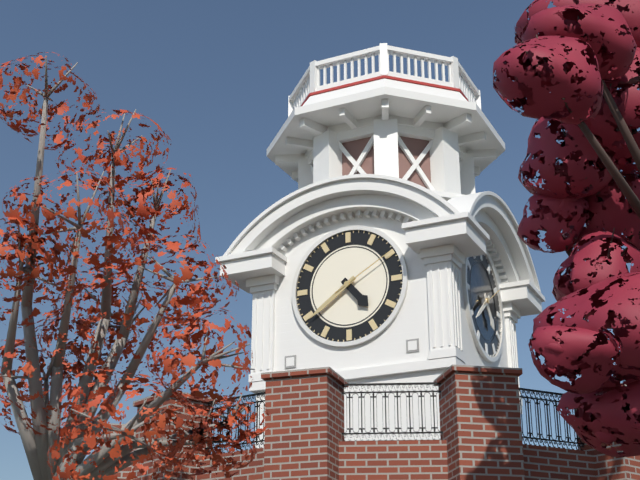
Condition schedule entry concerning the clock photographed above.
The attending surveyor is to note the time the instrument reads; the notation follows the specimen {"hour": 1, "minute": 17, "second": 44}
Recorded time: {"hour": 4, "minute": 39, "second": 10}
